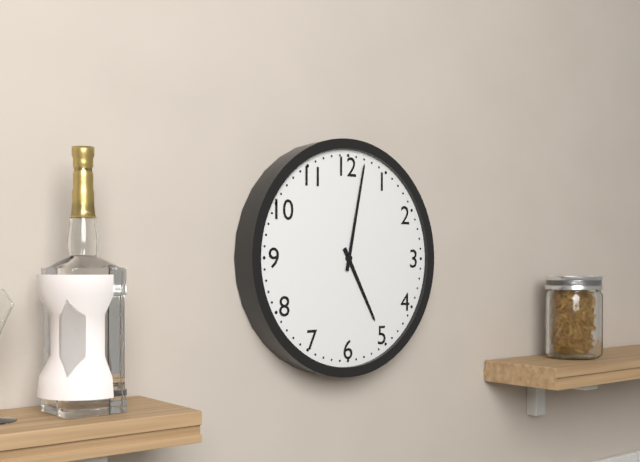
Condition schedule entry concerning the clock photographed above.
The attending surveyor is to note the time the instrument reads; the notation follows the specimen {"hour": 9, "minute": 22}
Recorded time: {"hour": 5, "minute": 2}
